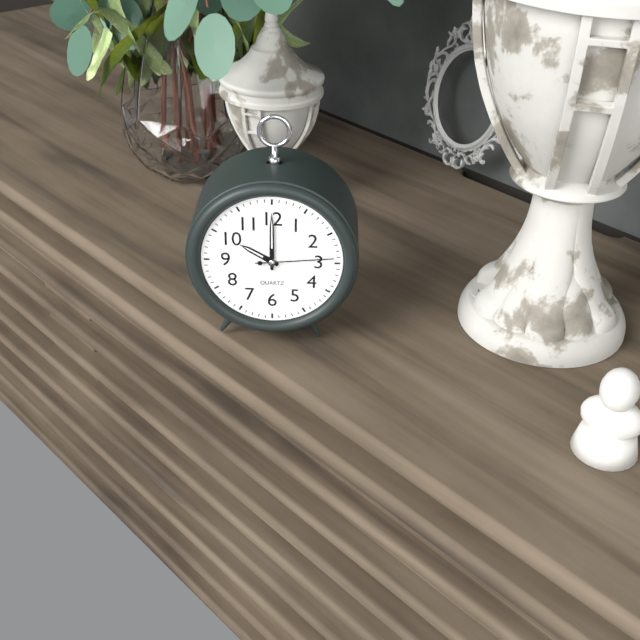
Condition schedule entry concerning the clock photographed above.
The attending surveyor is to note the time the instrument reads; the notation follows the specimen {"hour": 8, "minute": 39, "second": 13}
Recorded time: {"hour": 10, "minute": 0, "second": 14}
